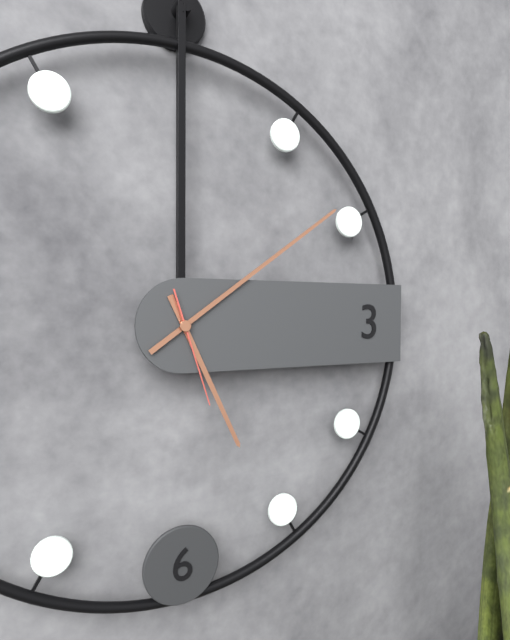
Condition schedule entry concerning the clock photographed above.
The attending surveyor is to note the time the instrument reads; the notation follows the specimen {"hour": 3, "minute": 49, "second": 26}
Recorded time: {"hour": 5, "minute": 9, "second": 27}
